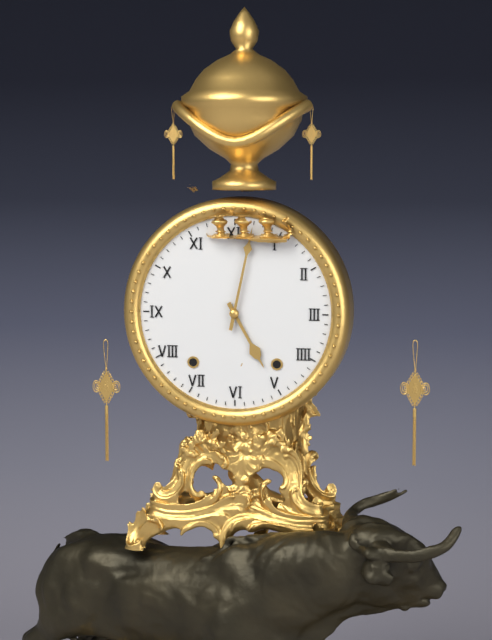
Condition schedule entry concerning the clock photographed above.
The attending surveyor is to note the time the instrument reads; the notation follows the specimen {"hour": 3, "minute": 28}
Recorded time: {"hour": 5, "minute": 2}
